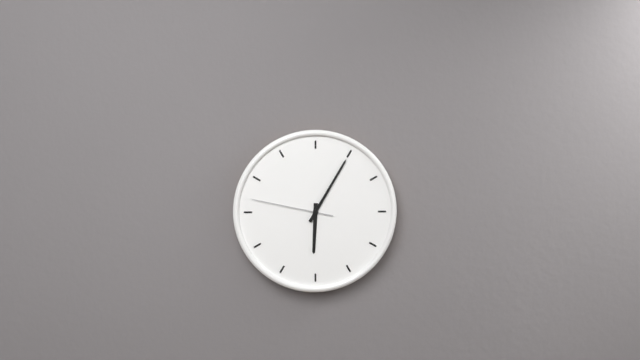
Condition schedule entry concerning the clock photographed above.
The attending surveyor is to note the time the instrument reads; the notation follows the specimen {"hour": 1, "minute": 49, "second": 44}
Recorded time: {"hour": 6, "minute": 5, "second": 47}
